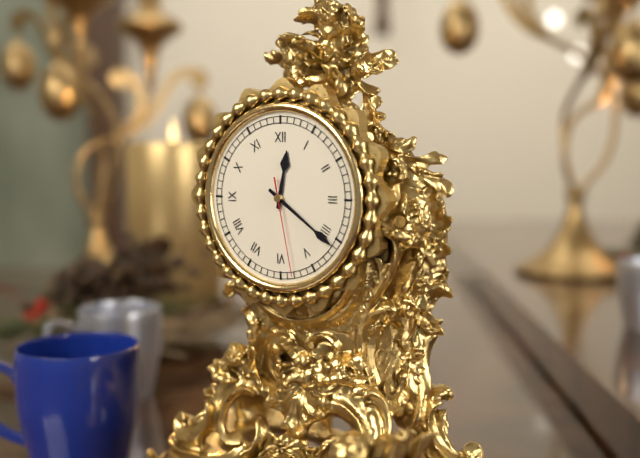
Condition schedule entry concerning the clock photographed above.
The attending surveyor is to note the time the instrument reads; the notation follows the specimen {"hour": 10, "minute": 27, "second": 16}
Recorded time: {"hour": 12, "minute": 21, "second": 28}
